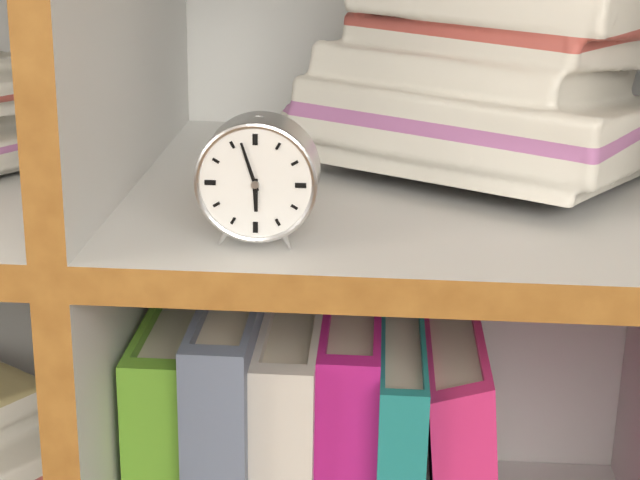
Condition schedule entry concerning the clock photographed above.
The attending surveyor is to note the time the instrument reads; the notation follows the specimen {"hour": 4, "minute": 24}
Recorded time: {"hour": 5, "minute": 57}
